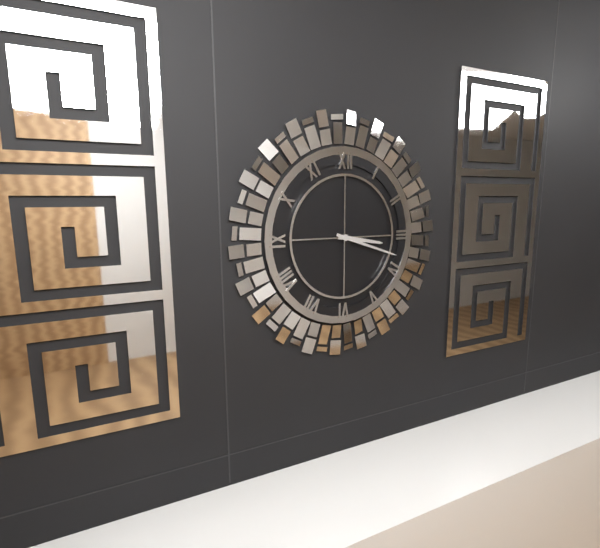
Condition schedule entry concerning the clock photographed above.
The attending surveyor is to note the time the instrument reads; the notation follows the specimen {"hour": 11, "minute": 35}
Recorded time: {"hour": 3, "minute": 18}
